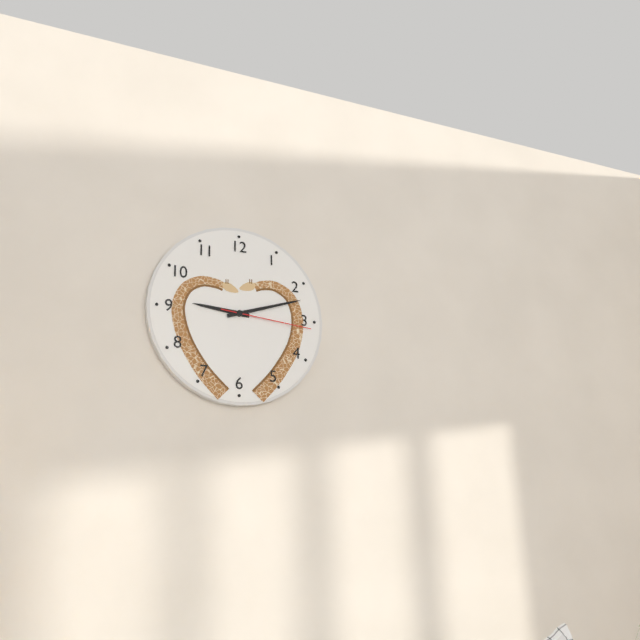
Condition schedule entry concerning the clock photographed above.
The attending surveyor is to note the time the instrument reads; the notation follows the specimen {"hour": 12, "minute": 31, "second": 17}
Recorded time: {"hour": 9, "minute": 12, "second": 16}
